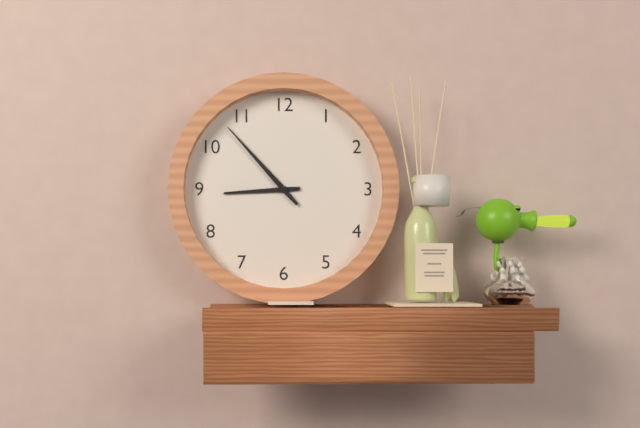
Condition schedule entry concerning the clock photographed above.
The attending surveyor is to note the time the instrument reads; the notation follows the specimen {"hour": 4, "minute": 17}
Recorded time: {"hour": 8, "minute": 53}
